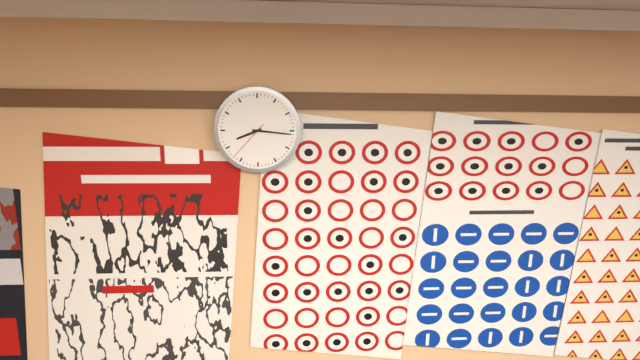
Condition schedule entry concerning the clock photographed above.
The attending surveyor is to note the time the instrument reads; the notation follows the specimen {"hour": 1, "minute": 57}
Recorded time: {"hour": 8, "minute": 16}
